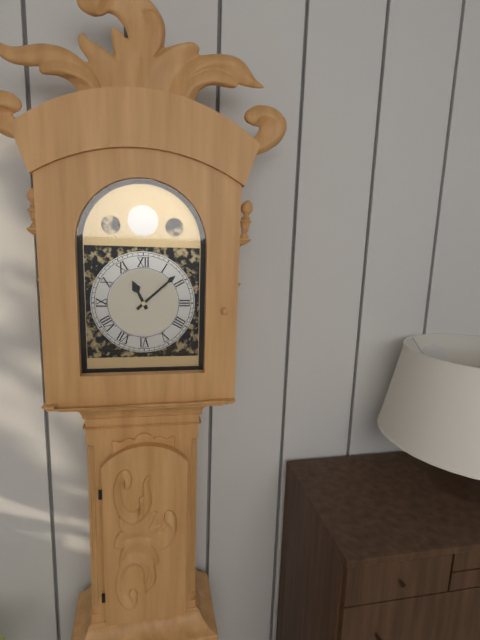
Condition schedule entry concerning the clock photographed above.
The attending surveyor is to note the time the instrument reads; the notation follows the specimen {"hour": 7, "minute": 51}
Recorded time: {"hour": 11, "minute": 8}
